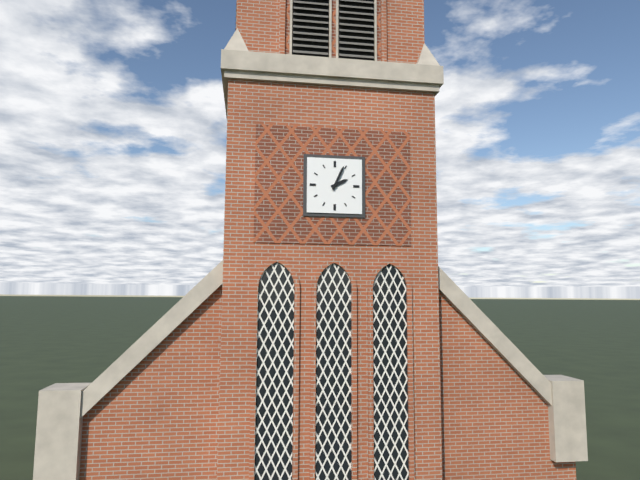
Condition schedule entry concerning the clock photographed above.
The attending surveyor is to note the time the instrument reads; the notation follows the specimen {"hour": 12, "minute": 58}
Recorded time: {"hour": 2, "minute": 4}
